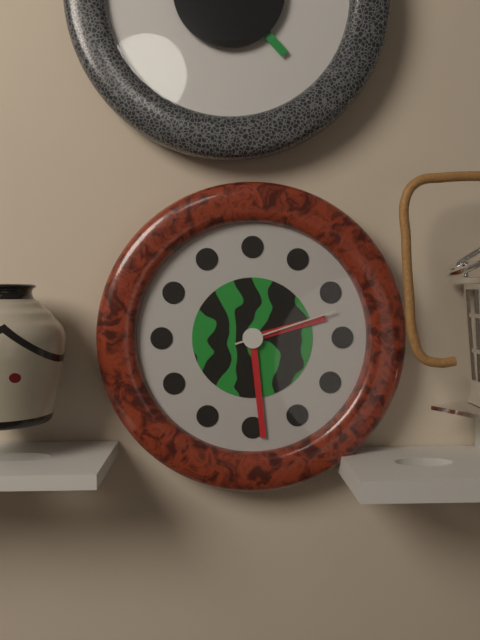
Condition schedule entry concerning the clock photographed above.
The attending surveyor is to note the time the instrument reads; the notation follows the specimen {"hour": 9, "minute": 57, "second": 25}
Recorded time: {"hour": 2, "minute": 29, "second": 12}
